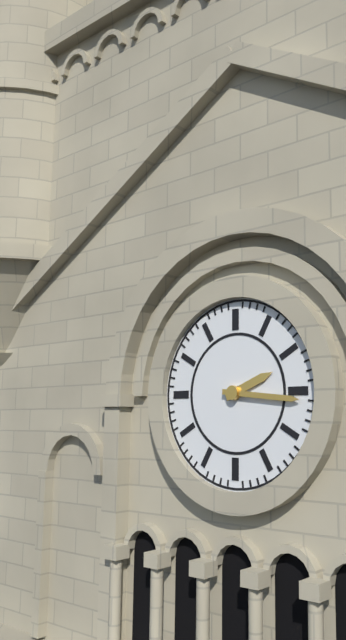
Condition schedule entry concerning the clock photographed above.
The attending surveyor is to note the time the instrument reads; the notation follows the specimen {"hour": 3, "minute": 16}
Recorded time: {"hour": 2, "minute": 16}
